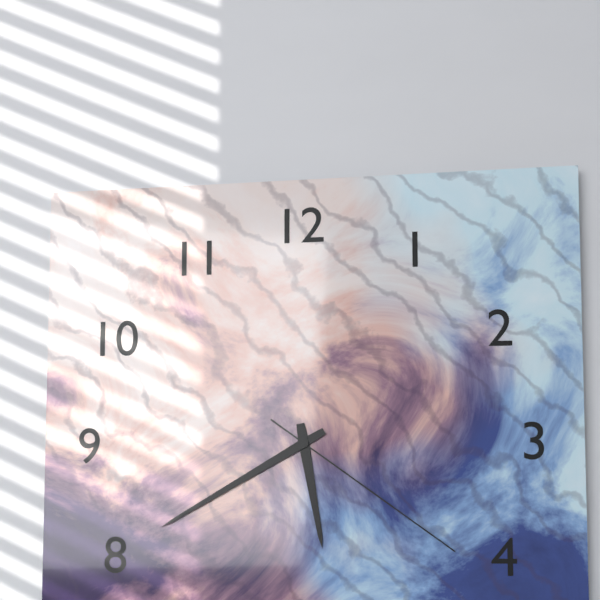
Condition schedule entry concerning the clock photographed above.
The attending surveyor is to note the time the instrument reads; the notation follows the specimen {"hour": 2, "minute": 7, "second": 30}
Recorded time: {"hour": 5, "minute": 40, "second": 21}
